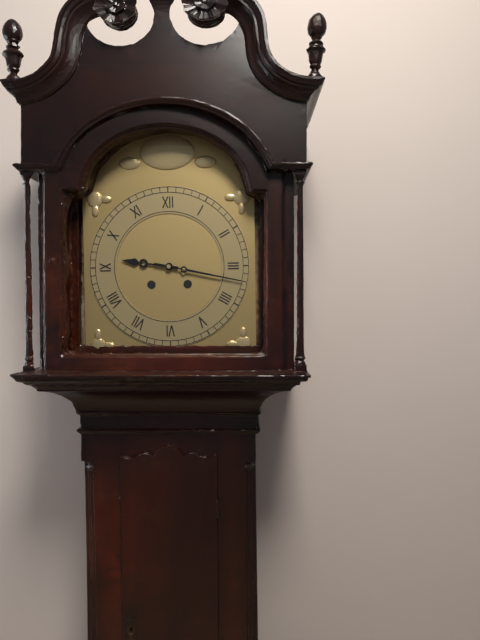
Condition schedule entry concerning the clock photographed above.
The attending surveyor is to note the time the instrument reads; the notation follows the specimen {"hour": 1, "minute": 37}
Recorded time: {"hour": 9, "minute": 17}
